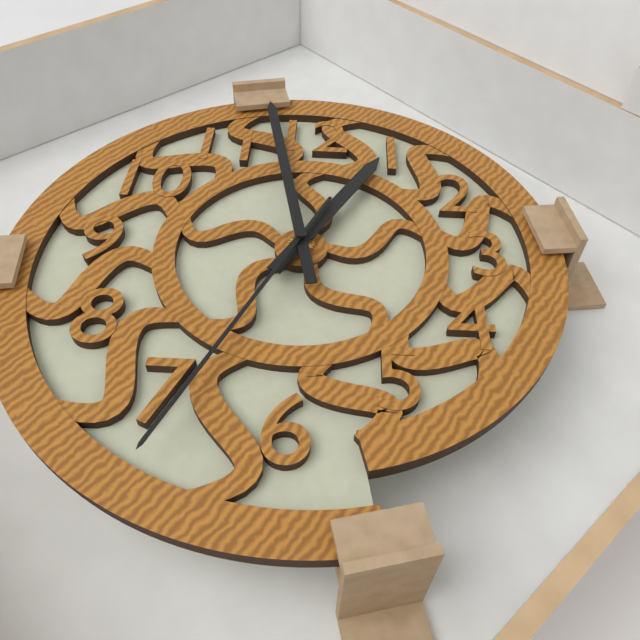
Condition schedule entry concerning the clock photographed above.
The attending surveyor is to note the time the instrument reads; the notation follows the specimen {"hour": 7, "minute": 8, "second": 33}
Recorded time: {"hour": 12, "minute": 58, "second": 34}
